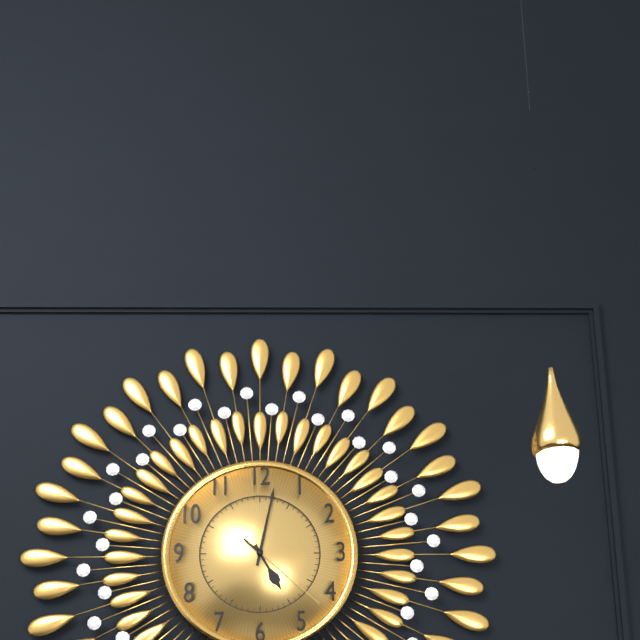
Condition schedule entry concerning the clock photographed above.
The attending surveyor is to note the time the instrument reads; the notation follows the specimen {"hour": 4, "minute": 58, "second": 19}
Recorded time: {"hour": 5, "minute": 2, "second": 22}
